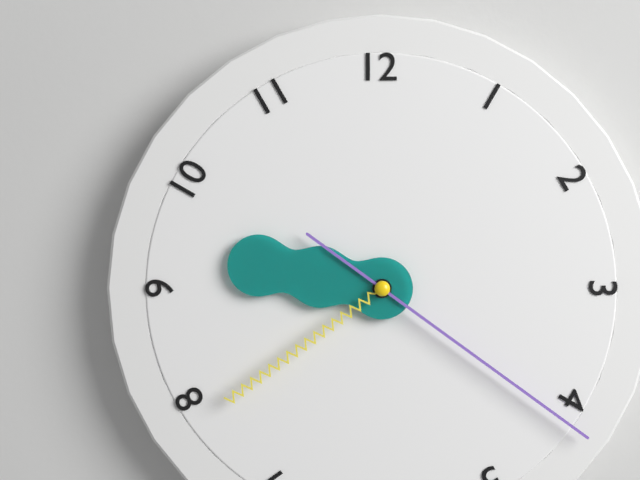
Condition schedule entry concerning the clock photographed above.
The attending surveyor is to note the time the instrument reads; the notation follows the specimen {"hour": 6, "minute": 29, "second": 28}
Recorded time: {"hour": 9, "minute": 21, "second": 39}
